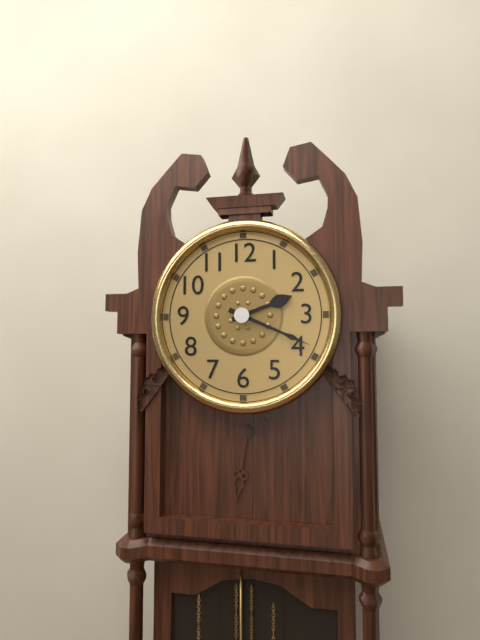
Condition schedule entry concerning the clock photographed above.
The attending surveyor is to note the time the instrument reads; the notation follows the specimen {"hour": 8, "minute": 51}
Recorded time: {"hour": 2, "minute": 19}
